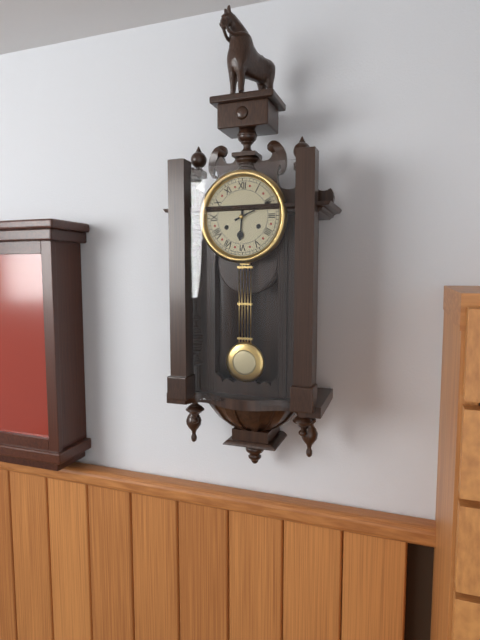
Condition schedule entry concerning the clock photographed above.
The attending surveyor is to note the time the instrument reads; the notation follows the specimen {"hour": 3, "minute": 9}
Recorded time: {"hour": 6, "minute": 11}
